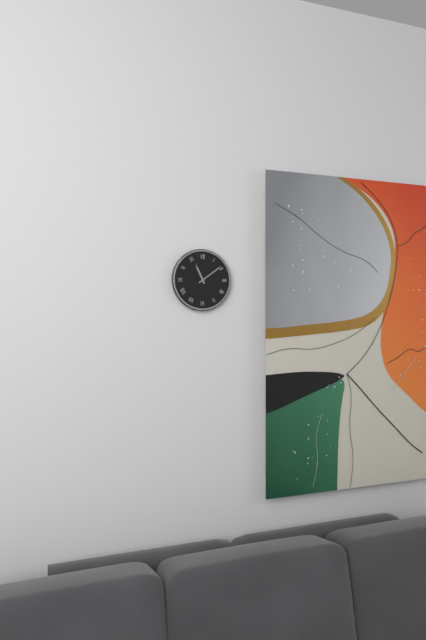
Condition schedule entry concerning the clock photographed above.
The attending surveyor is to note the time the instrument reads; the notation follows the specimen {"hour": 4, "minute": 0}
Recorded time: {"hour": 11, "minute": 9}
